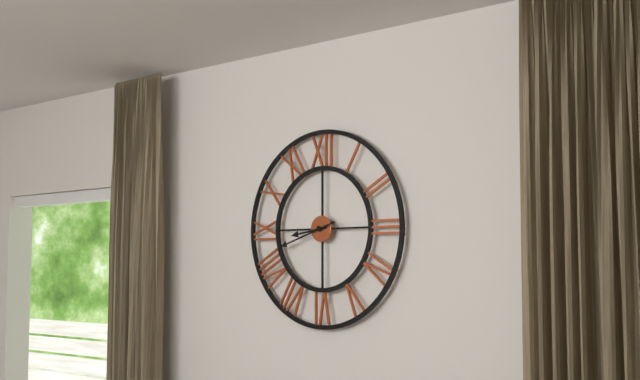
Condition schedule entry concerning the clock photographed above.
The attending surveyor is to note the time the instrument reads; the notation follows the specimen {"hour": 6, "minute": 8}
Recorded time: {"hour": 8, "minute": 42}
